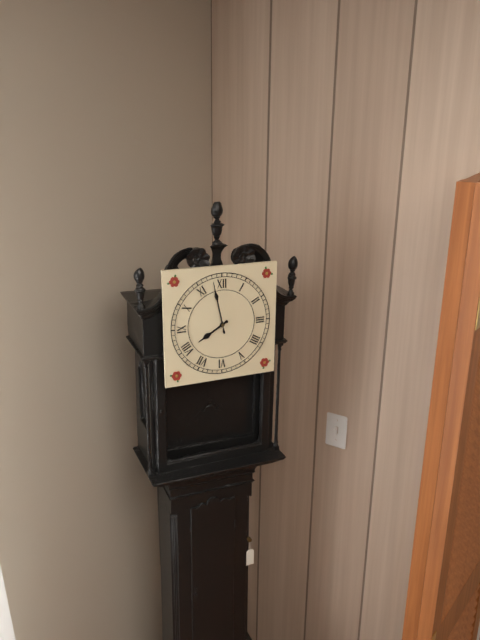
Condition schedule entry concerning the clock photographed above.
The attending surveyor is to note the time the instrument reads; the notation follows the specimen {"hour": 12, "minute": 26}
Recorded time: {"hour": 7, "minute": 58}
